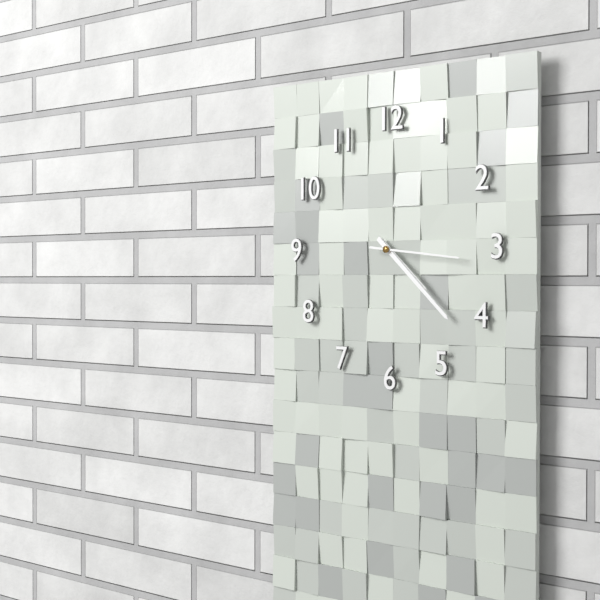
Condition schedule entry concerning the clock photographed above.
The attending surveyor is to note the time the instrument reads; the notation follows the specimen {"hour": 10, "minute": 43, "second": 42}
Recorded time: {"hour": 4, "minute": 22, "second": 16}
